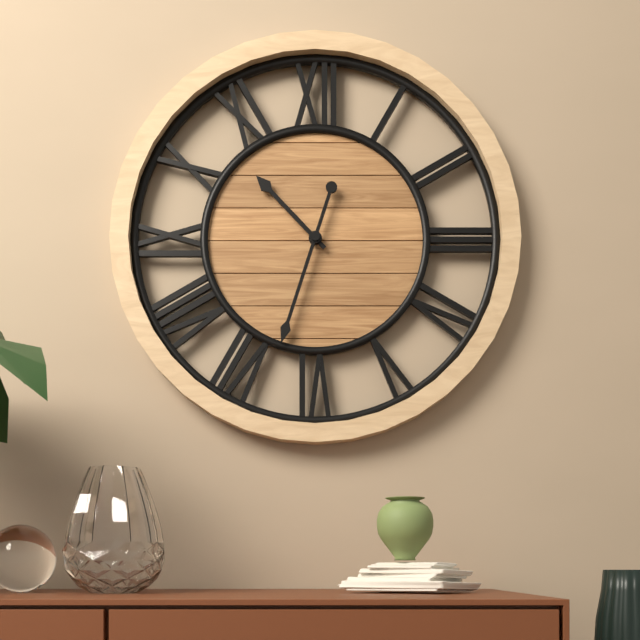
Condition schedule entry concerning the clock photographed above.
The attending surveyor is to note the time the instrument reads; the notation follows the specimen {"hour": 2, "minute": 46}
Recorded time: {"hour": 10, "minute": 33}
